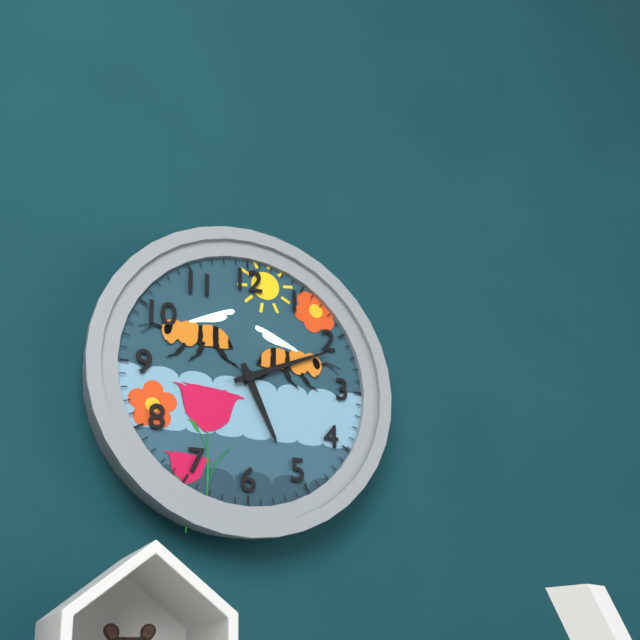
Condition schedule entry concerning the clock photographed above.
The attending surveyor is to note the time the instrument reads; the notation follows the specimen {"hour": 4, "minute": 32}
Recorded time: {"hour": 5, "minute": 11}
